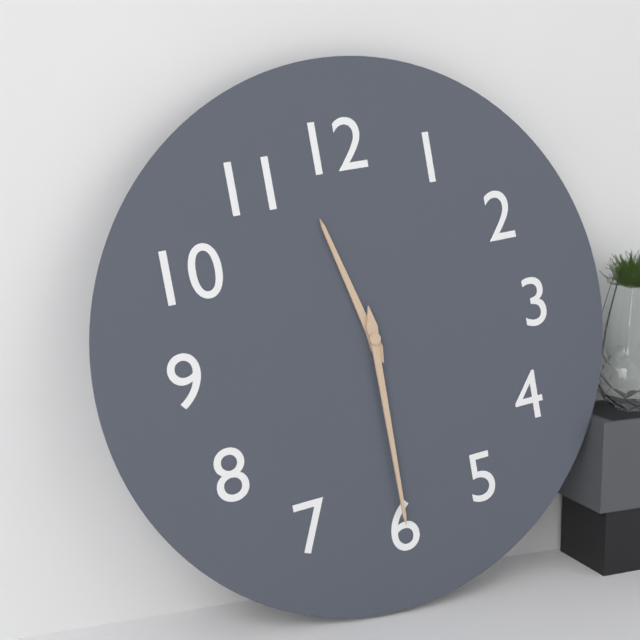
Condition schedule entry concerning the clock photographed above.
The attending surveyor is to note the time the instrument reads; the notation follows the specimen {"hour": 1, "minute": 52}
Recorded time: {"hour": 11, "minute": 30}
